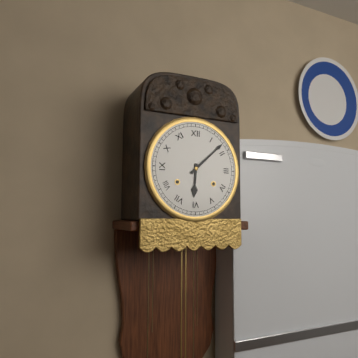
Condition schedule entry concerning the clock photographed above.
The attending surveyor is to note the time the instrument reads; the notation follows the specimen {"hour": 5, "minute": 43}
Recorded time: {"hour": 6, "minute": 8}
